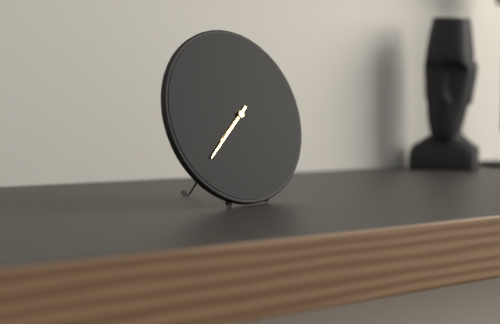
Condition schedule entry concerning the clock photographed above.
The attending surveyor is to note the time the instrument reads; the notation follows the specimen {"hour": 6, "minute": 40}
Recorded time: {"hour": 7, "minute": 38}
